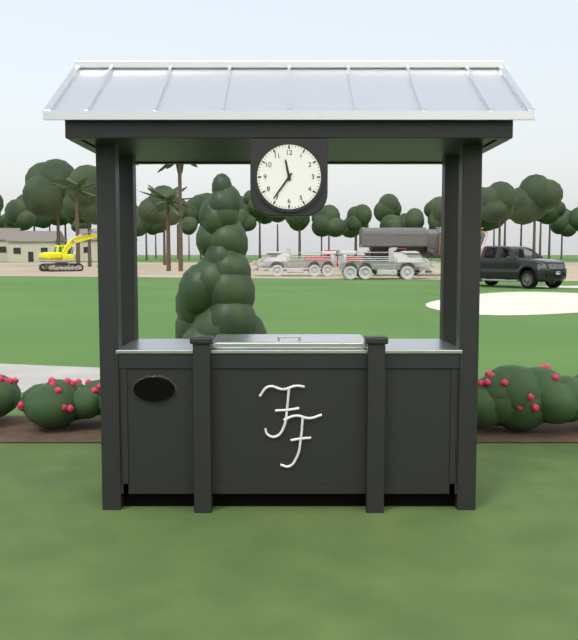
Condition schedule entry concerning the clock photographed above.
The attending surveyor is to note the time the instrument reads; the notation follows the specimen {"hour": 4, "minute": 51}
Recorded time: {"hour": 11, "minute": 36}
